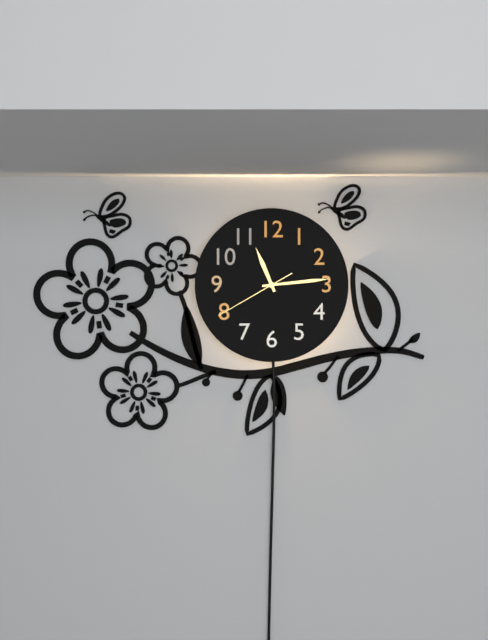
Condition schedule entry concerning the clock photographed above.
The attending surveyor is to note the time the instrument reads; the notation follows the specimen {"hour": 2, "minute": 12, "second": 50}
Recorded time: {"hour": 11, "minute": 14, "second": 40}
